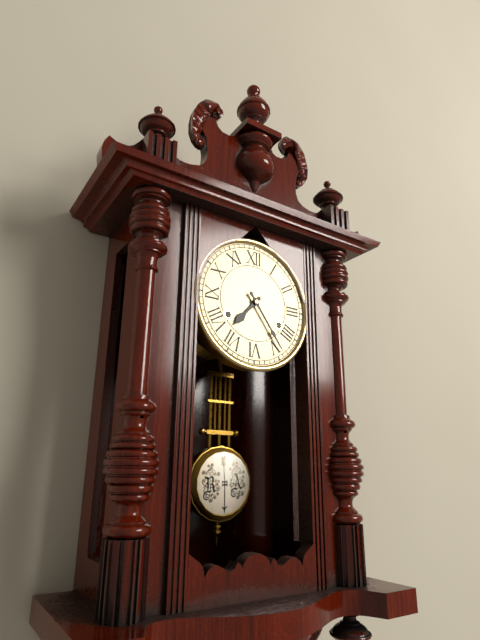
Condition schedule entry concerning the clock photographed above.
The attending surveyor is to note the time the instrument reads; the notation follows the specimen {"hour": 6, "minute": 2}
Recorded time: {"hour": 7, "minute": 24}
